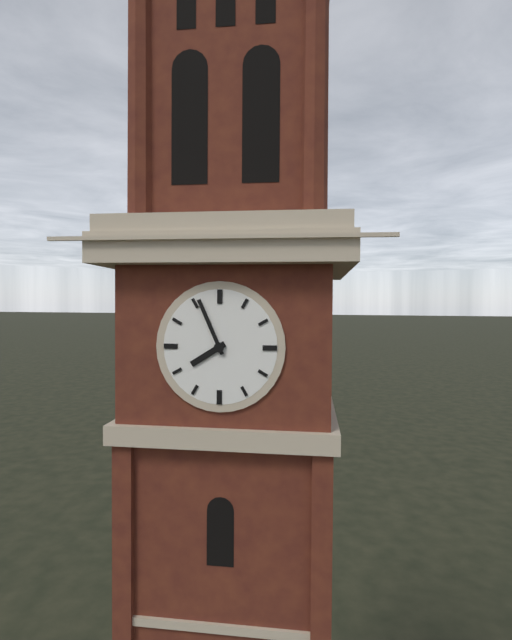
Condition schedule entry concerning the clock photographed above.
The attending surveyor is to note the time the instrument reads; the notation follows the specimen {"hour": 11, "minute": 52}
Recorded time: {"hour": 7, "minute": 56}
